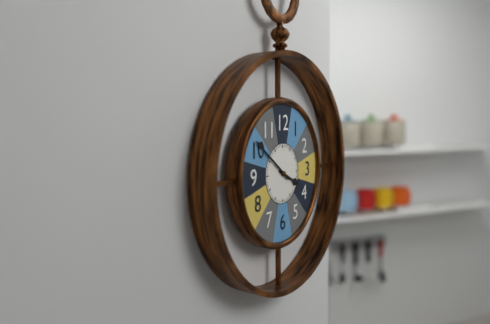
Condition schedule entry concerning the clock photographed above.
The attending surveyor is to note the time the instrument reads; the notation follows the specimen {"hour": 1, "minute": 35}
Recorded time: {"hour": 3, "minute": 51}
